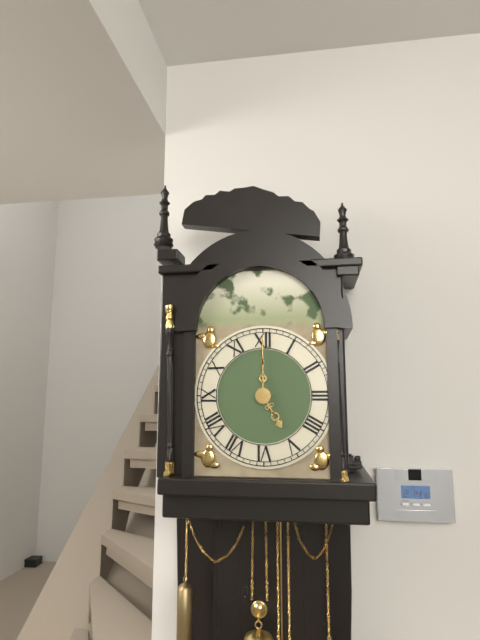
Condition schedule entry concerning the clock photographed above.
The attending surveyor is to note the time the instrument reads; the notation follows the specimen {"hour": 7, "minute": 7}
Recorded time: {"hour": 5, "minute": 0}
